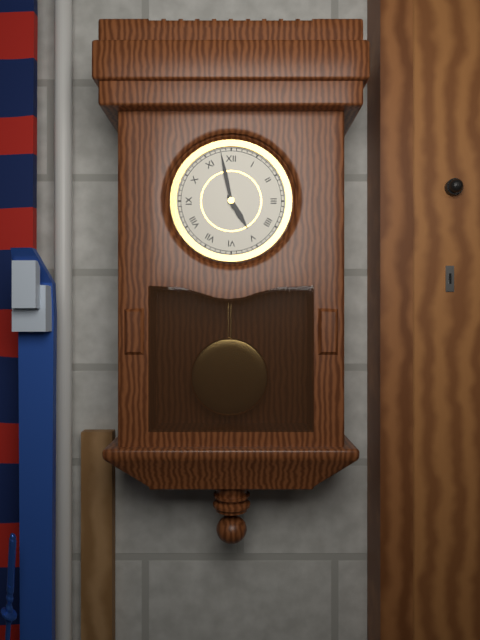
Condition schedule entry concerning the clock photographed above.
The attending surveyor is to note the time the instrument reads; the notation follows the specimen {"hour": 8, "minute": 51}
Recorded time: {"hour": 4, "minute": 58}
